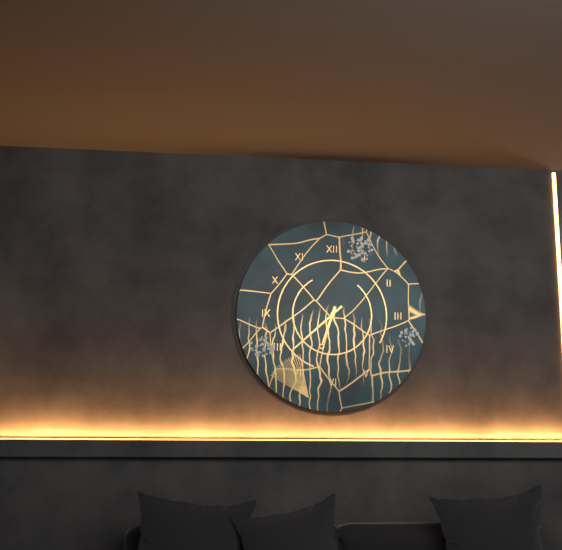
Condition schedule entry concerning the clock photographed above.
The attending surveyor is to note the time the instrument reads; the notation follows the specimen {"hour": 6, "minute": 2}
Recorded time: {"hour": 6, "minute": 38}
